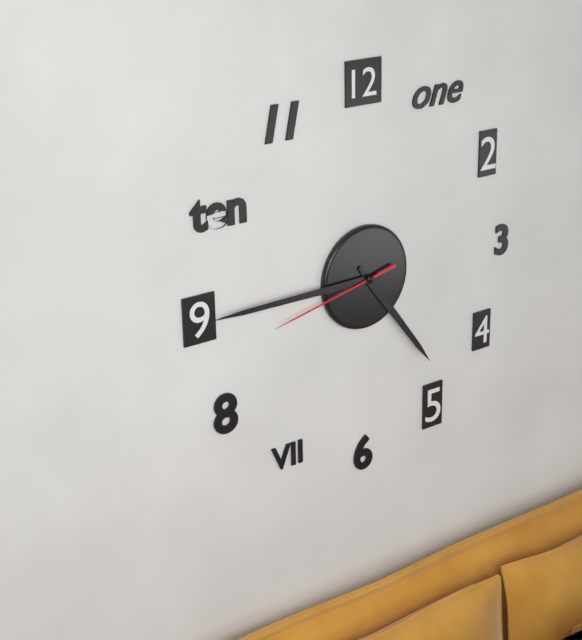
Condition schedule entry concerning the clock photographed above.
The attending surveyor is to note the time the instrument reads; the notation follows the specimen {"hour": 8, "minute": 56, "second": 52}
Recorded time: {"hour": 4, "minute": 45, "second": 43}
